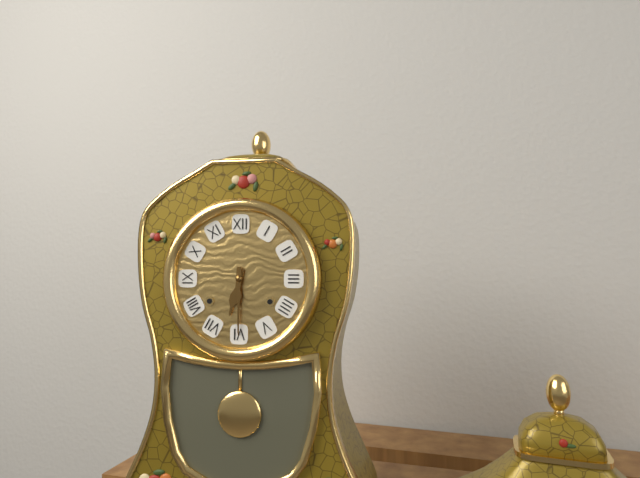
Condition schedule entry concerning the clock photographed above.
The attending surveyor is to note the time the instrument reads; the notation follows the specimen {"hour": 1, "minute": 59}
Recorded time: {"hour": 6, "minute": 30}
